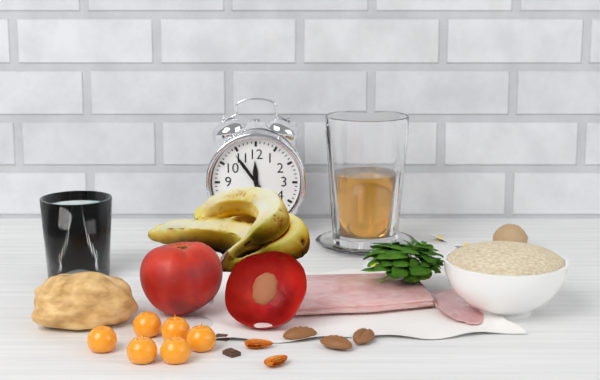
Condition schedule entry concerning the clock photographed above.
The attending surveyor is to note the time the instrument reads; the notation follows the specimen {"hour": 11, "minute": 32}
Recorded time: {"hour": 11, "minute": 54}
